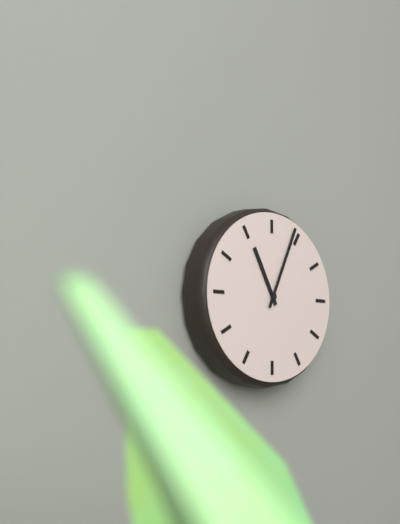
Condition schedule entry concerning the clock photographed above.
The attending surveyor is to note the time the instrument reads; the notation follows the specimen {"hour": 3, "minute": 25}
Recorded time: {"hour": 11, "minute": 4}
